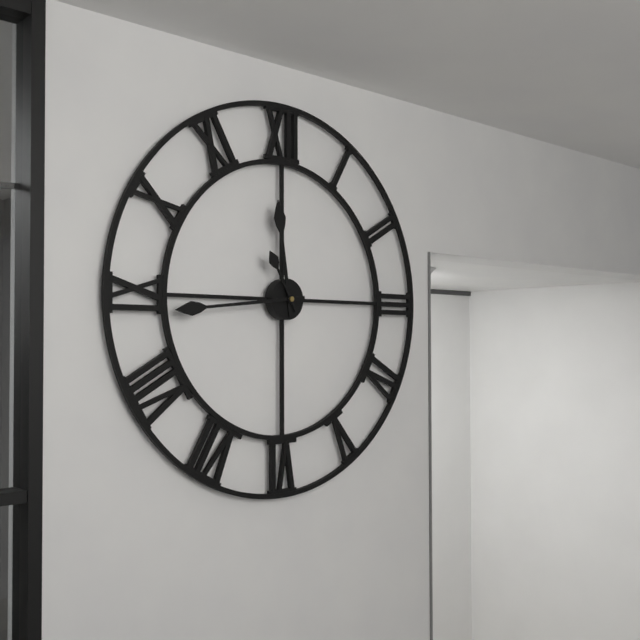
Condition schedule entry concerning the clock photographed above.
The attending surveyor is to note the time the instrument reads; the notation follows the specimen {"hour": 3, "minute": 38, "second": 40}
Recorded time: {"hour": 11, "minute": 44, "second": 55}
